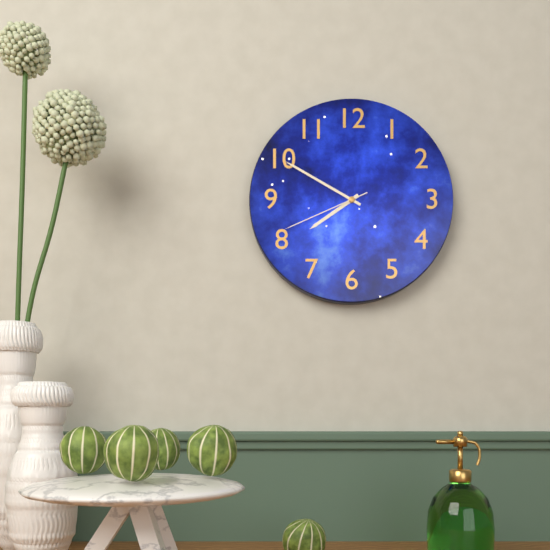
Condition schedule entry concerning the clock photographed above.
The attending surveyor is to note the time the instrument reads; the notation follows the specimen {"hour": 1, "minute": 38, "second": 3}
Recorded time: {"hour": 7, "minute": 50, "second": 41}
